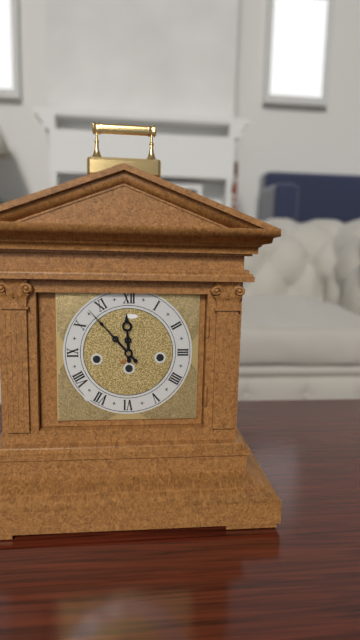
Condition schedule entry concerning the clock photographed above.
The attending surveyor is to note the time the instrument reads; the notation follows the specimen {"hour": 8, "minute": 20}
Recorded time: {"hour": 11, "minute": 53}
